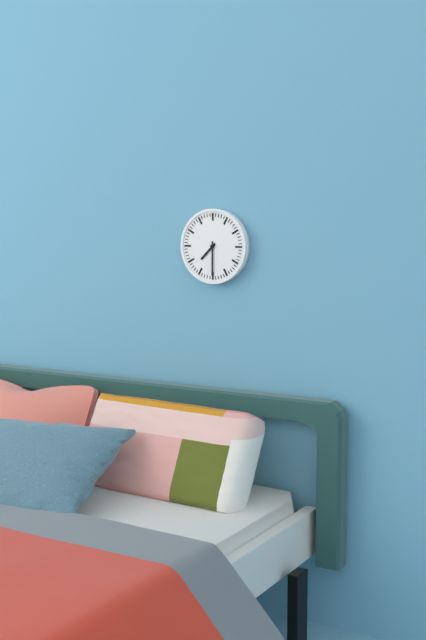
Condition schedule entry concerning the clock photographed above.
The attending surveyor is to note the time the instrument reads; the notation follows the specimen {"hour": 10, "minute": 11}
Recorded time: {"hour": 7, "minute": 30}
